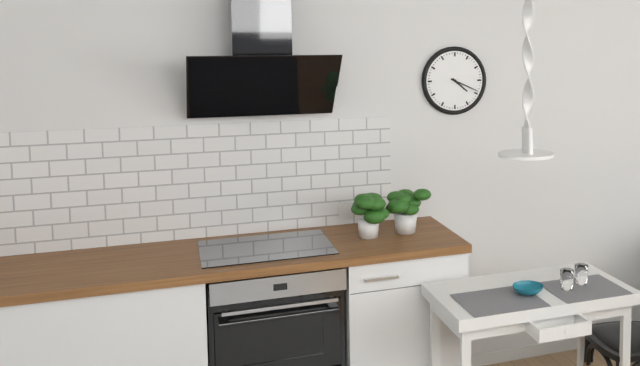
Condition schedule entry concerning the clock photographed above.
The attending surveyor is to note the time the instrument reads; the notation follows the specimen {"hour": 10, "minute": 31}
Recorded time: {"hour": 4, "minute": 19}
